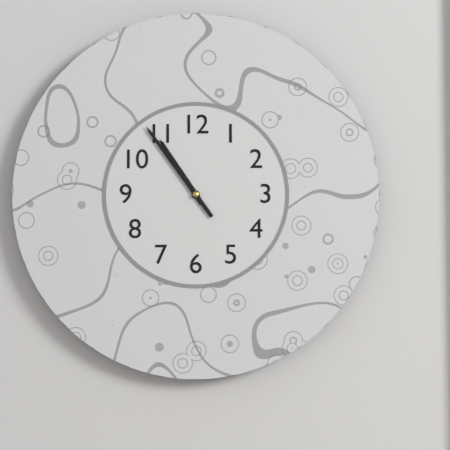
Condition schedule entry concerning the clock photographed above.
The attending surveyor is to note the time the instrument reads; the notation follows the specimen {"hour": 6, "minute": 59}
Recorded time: {"hour": 10, "minute": 54}
